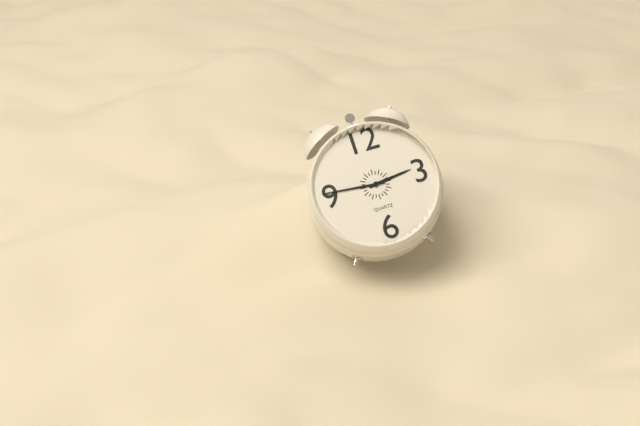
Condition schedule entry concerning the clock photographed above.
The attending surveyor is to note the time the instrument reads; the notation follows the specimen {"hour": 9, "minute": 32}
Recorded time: {"hour": 2, "minute": 46}
